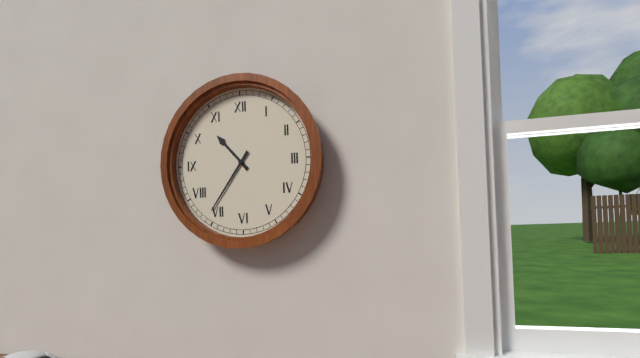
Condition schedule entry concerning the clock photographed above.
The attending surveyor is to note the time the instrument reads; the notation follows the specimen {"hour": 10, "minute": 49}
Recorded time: {"hour": 10, "minute": 36}
